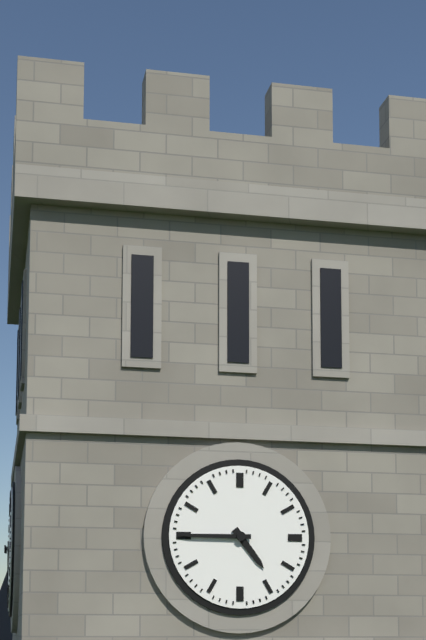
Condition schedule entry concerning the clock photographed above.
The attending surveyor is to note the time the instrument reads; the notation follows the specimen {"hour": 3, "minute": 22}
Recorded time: {"hour": 4, "minute": 45}
